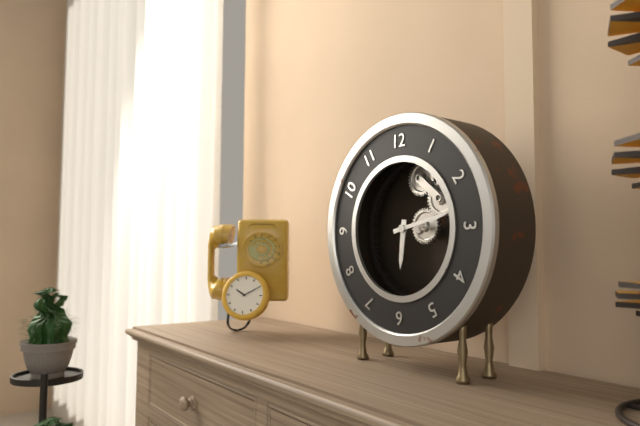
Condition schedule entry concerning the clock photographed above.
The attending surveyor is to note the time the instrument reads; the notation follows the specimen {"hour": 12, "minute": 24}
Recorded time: {"hour": 6, "minute": 13}
